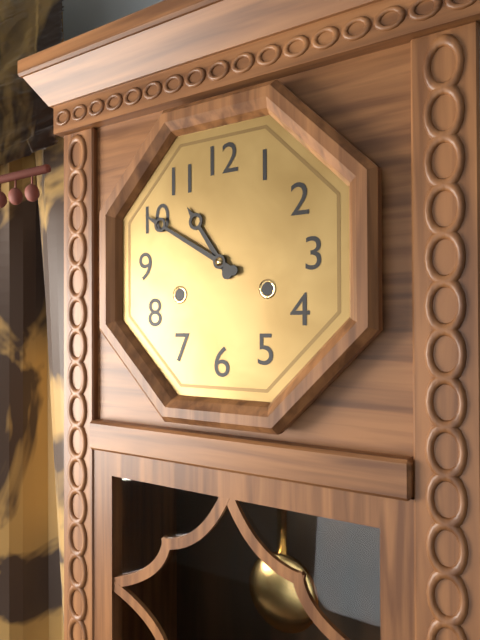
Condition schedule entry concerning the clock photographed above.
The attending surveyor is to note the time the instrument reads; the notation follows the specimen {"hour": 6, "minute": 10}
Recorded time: {"hour": 10, "minute": 50}
